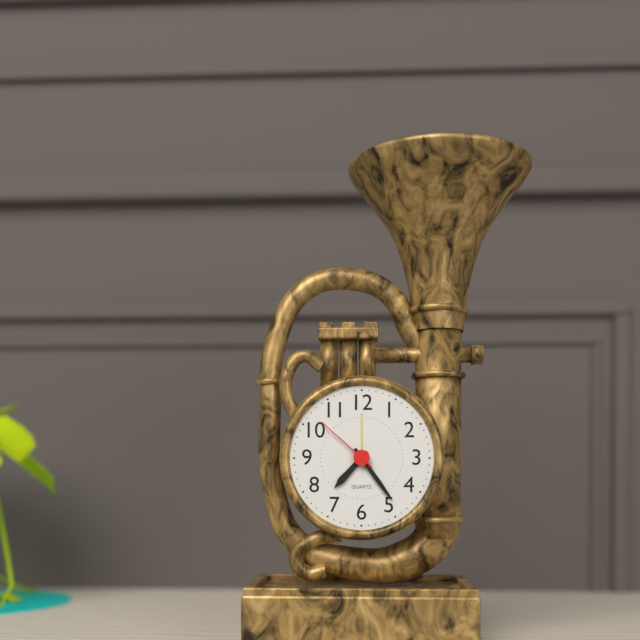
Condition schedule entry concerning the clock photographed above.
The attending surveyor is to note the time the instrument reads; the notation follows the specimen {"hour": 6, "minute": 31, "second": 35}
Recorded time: {"hour": 7, "minute": 24, "second": 52}
